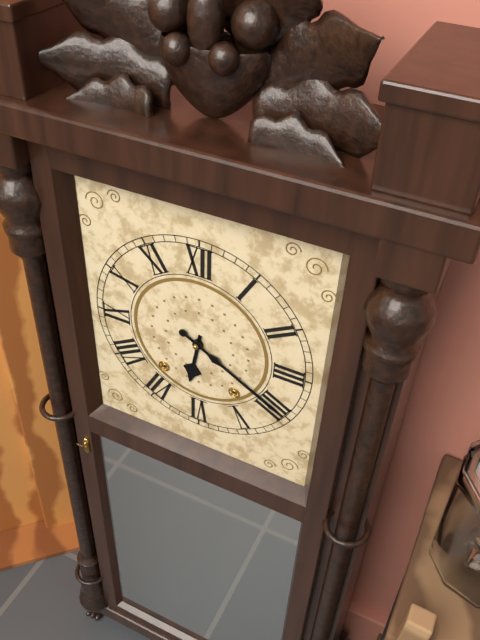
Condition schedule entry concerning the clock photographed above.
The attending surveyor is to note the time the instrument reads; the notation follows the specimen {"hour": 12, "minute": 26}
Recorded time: {"hour": 6, "minute": 20}
